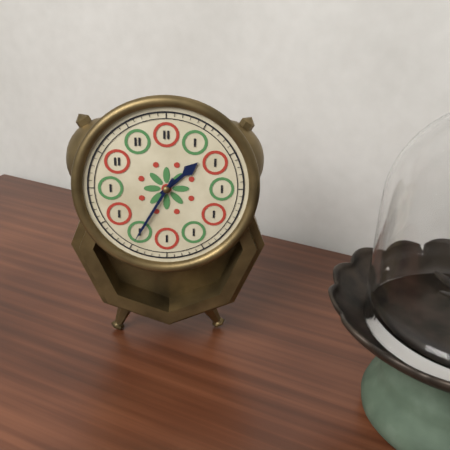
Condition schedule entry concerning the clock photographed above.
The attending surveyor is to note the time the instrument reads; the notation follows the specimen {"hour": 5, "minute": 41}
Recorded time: {"hour": 1, "minute": 35}
